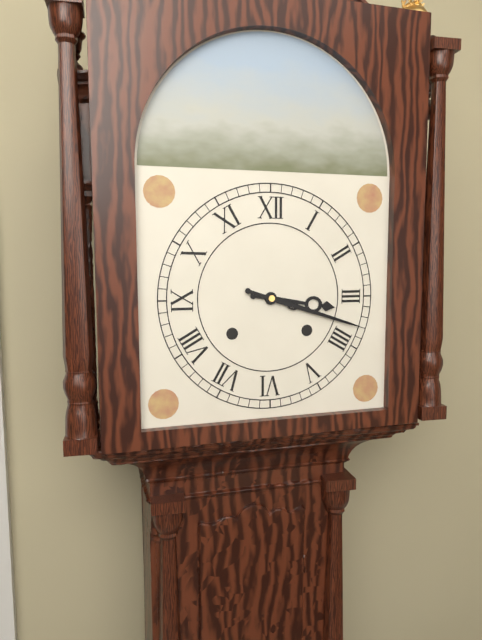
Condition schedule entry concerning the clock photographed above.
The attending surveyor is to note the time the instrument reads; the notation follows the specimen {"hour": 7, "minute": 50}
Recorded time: {"hour": 3, "minute": 18}
